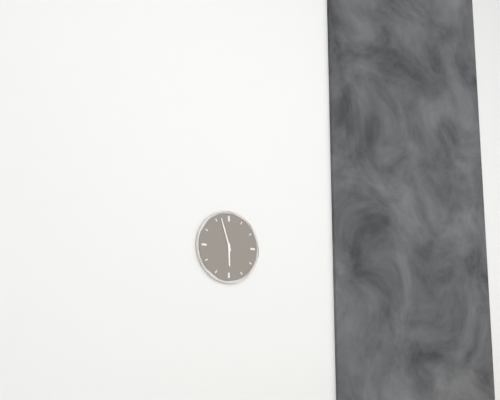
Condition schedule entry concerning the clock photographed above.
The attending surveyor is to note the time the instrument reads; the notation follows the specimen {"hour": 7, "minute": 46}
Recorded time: {"hour": 5, "minute": 57}
